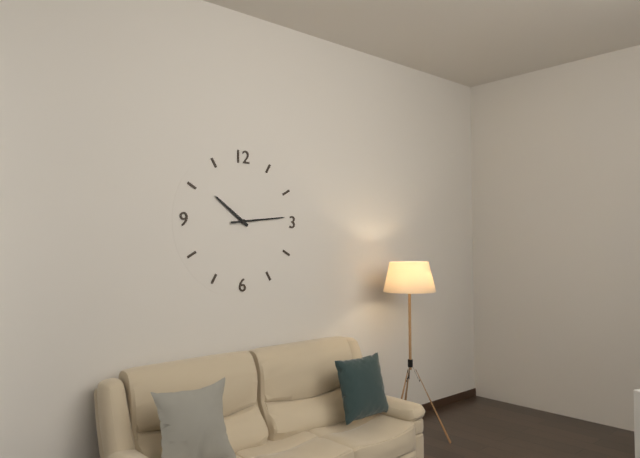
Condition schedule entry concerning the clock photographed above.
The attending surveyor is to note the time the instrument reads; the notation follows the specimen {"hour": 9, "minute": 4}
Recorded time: {"hour": 10, "minute": 14}
